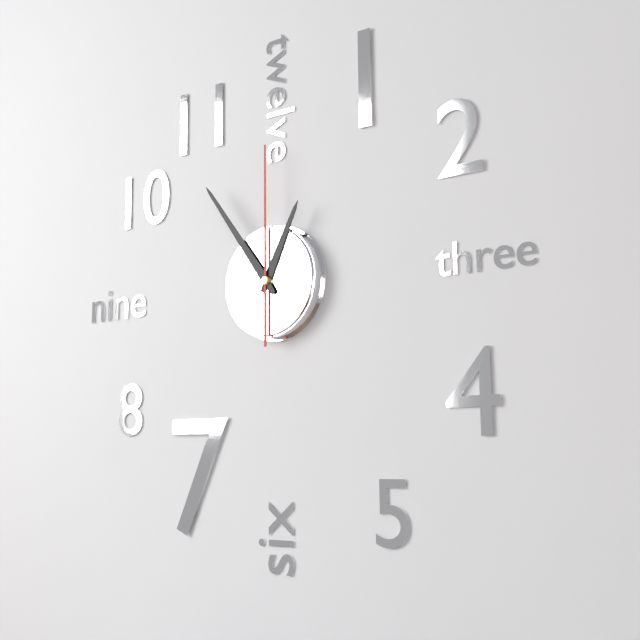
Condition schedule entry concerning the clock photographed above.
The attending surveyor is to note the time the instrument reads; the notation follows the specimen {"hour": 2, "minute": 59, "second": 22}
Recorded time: {"hour": 12, "minute": 54, "second": 0}
